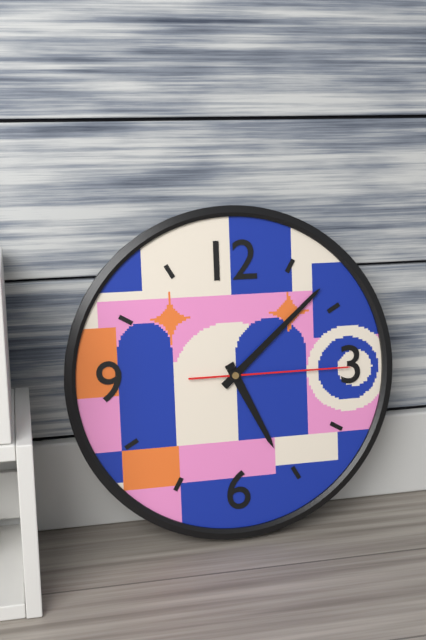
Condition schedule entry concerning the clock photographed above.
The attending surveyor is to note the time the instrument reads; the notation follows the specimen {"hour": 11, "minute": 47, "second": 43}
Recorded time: {"hour": 5, "minute": 8, "second": 15}
